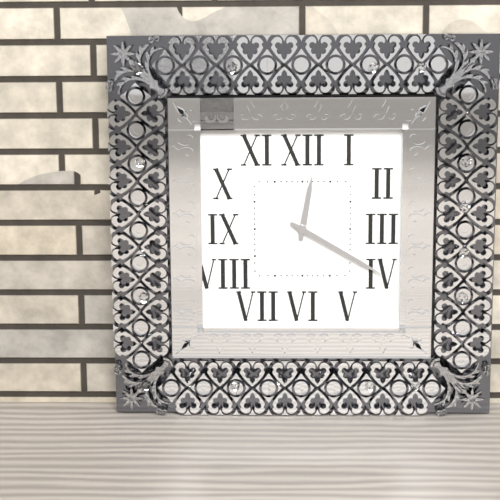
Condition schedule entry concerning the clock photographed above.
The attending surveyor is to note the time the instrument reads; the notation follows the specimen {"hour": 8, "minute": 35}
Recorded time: {"hour": 12, "minute": 20}
